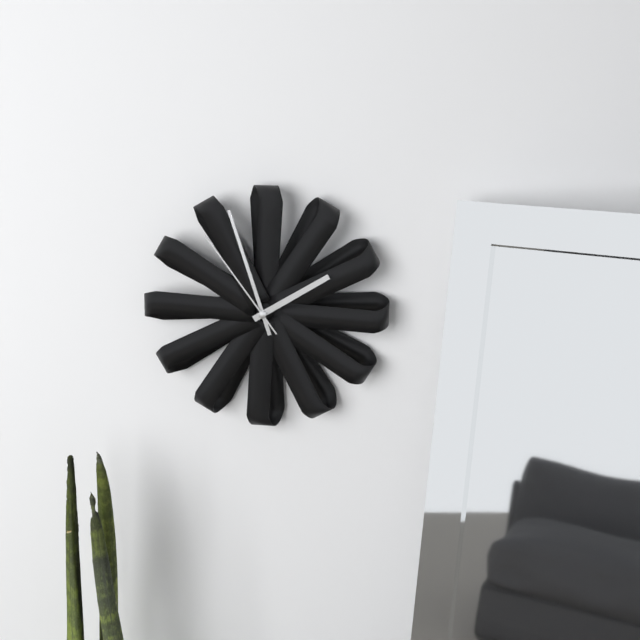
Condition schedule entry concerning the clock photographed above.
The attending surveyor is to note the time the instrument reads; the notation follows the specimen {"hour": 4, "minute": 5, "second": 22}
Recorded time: {"hour": 1, "minute": 57, "second": 54}
